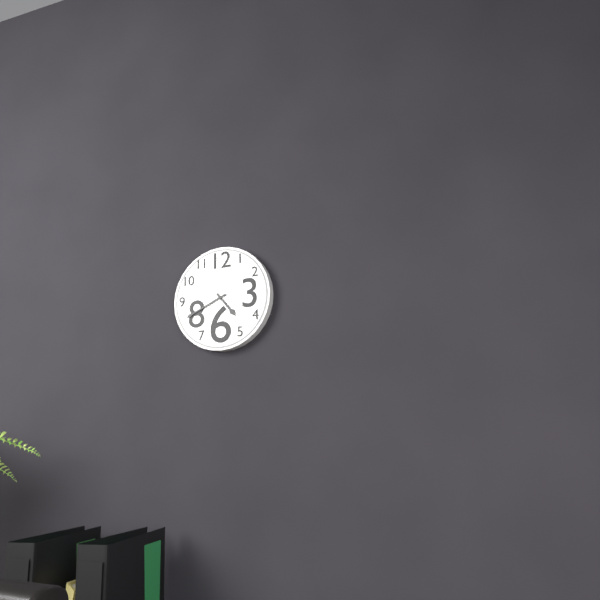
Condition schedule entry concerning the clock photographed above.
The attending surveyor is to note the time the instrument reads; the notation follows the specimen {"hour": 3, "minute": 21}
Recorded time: {"hour": 4, "minute": 41}
